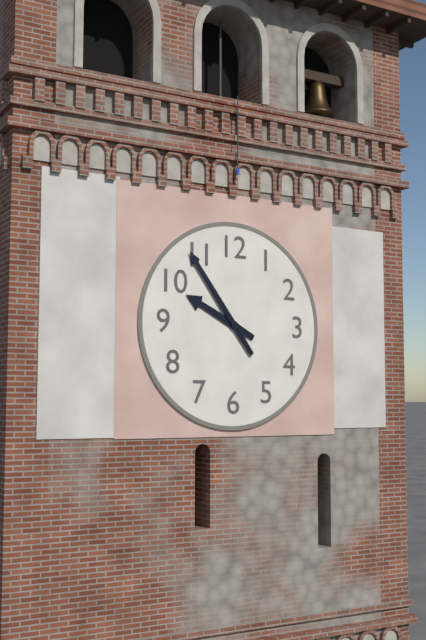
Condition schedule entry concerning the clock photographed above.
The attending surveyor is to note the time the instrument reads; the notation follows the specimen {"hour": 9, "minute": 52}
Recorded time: {"hour": 9, "minute": 54}
